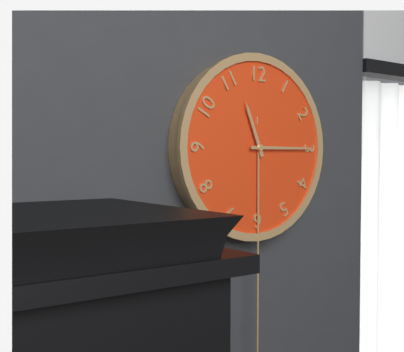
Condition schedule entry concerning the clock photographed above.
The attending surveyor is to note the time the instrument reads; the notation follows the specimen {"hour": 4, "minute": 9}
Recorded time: {"hour": 11, "minute": 15}
